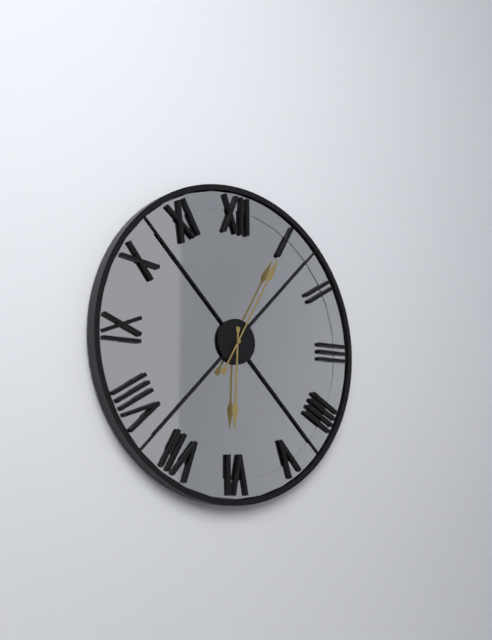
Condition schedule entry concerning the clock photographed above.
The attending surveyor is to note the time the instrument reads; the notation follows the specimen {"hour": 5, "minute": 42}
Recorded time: {"hour": 6, "minute": 5}
